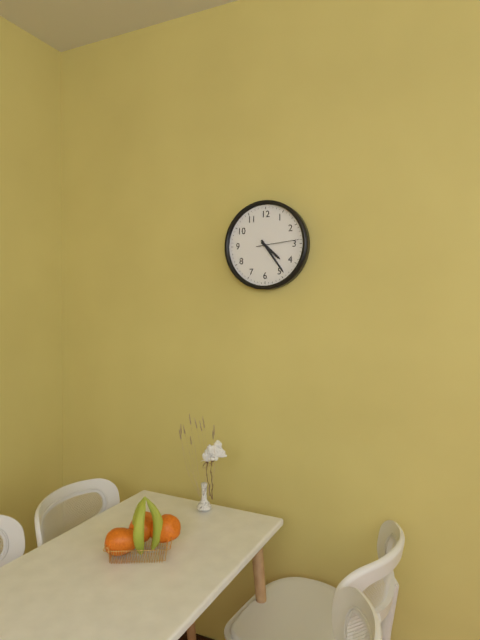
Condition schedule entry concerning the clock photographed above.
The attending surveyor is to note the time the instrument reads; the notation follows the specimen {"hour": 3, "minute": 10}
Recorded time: {"hour": 4, "minute": 24}
